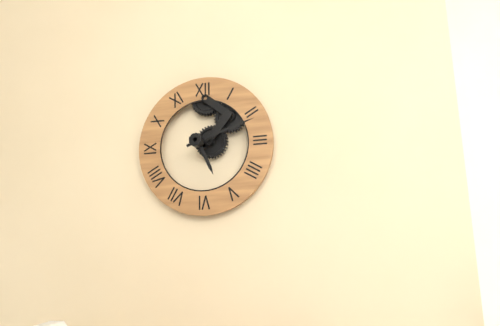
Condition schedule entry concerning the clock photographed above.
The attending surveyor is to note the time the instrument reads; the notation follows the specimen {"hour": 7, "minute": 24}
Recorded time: {"hour": 5, "minute": 12}
